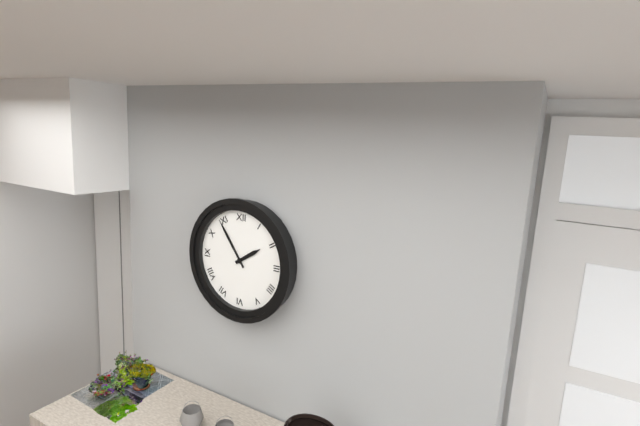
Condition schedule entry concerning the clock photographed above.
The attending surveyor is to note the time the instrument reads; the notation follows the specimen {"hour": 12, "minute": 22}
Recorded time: {"hour": 1, "minute": 54}
